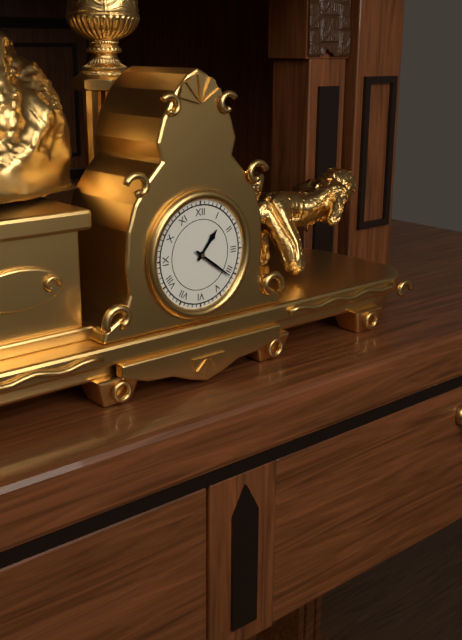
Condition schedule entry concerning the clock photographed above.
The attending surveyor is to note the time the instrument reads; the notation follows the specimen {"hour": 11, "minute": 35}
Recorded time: {"hour": 1, "minute": 21}
